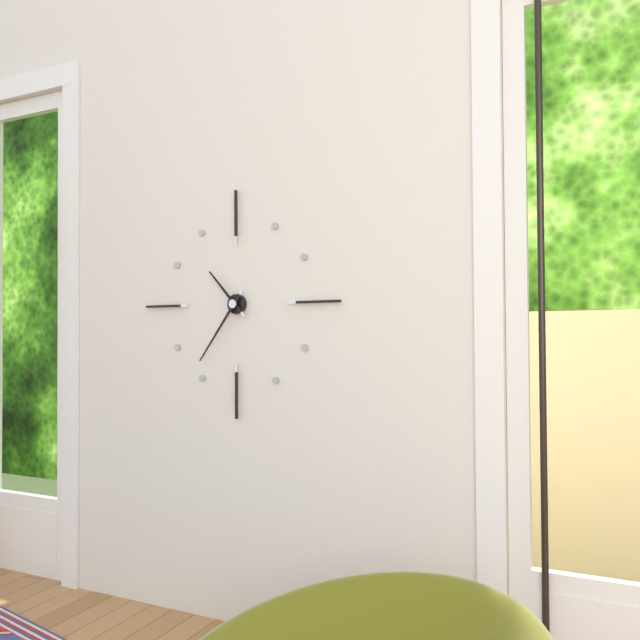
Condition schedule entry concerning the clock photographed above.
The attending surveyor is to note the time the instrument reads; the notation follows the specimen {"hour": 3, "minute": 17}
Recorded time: {"hour": 10, "minute": 36}
